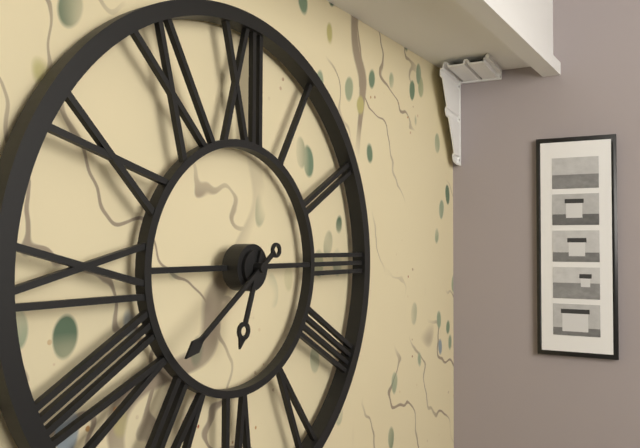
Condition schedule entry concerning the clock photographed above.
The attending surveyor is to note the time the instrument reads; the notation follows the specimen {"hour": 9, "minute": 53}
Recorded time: {"hour": 6, "minute": 39}
